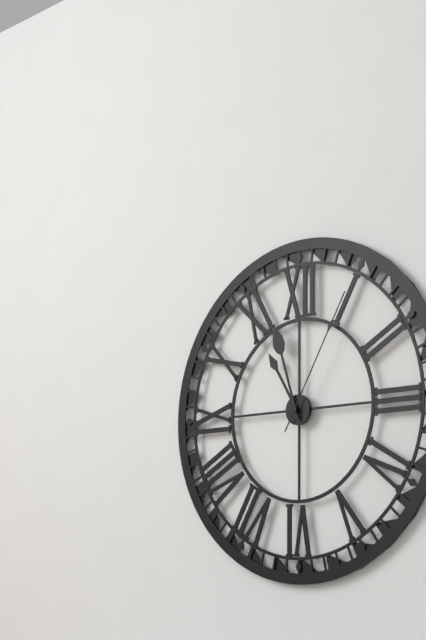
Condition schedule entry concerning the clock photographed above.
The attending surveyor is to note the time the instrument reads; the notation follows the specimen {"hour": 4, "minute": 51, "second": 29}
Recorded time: {"hour": 10, "minute": 57, "second": 5}
